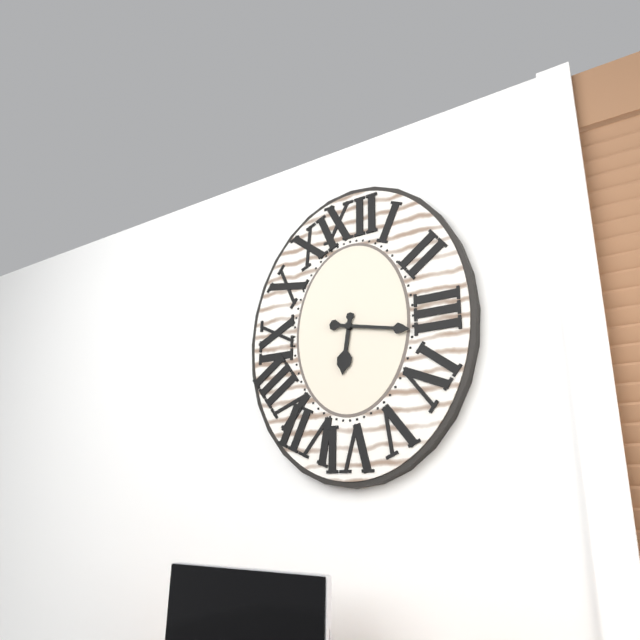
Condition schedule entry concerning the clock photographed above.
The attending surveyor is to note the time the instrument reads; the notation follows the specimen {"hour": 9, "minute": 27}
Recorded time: {"hour": 6, "minute": 17}
